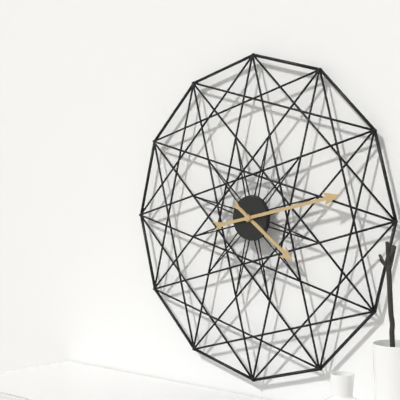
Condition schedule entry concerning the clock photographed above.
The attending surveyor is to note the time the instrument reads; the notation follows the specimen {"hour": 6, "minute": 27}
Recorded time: {"hour": 4, "minute": 13}
